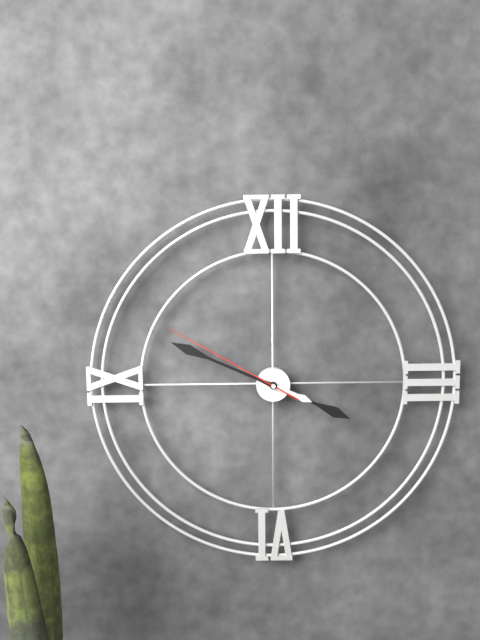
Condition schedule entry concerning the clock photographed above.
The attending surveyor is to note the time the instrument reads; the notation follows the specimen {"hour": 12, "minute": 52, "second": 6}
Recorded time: {"hour": 3, "minute": 49, "second": 50}
